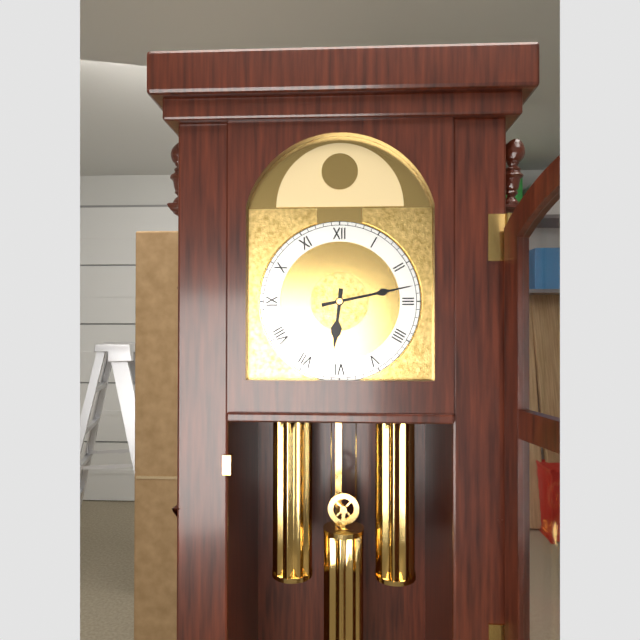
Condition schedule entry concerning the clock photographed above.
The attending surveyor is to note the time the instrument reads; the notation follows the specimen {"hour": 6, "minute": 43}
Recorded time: {"hour": 6, "minute": 13}
